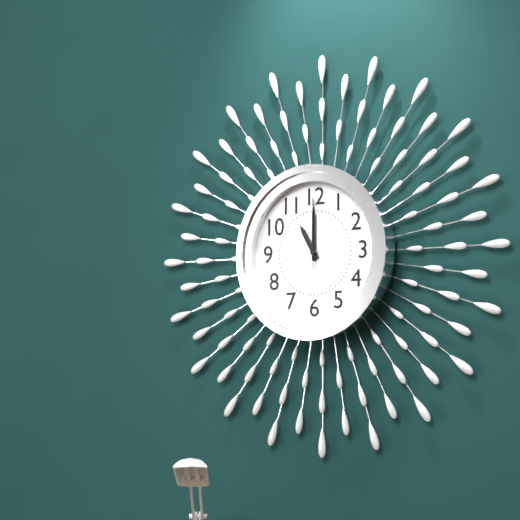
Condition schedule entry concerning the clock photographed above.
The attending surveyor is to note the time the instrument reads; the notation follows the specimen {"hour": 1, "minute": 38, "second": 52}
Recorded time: {"hour": 11, "minute": 0, "second": 0}
